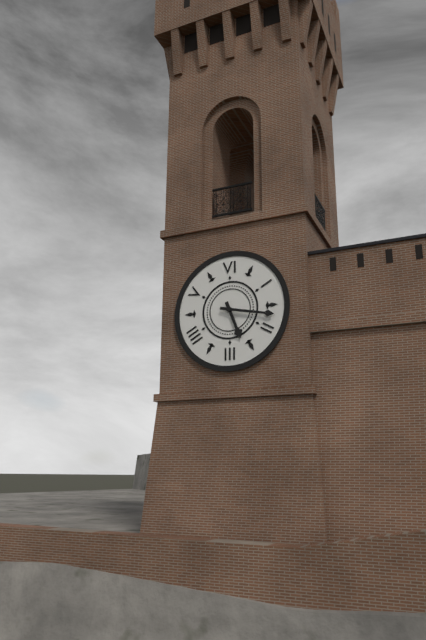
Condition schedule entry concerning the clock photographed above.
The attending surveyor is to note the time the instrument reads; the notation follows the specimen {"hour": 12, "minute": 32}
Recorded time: {"hour": 5, "minute": 17}
